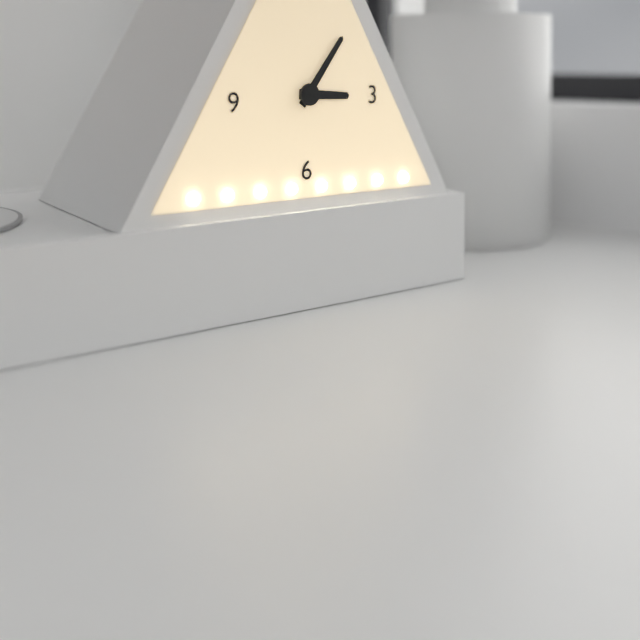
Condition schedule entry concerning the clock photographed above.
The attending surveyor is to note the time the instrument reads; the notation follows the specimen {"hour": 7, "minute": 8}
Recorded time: {"hour": 3, "minute": 6}
